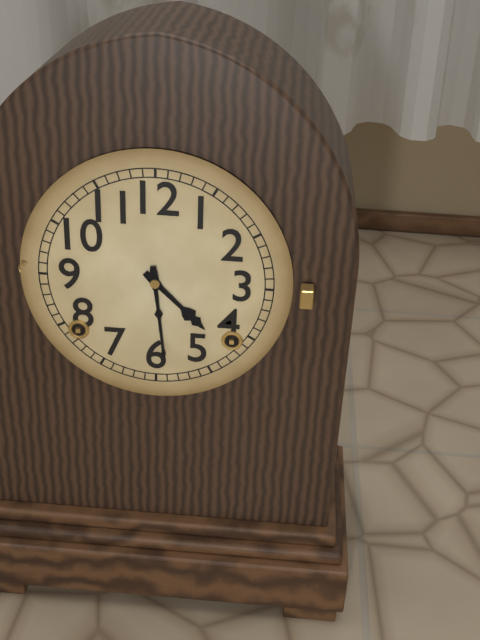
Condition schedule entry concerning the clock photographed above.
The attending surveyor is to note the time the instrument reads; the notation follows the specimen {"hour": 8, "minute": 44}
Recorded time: {"hour": 4, "minute": 29}
